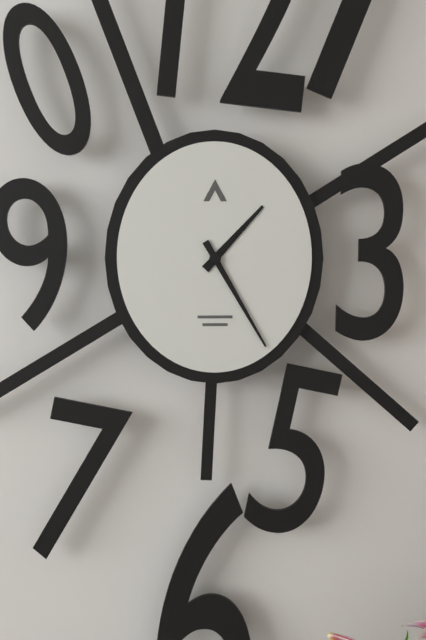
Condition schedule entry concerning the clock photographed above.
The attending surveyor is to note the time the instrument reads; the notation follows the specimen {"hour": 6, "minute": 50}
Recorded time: {"hour": 1, "minute": 25}
